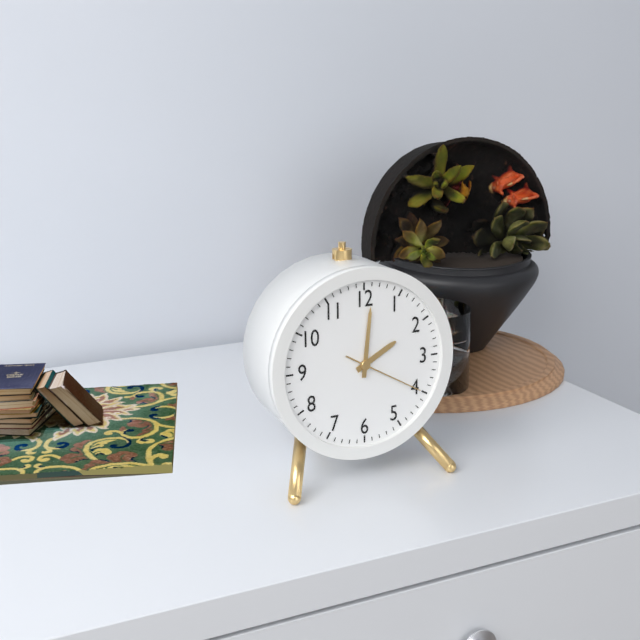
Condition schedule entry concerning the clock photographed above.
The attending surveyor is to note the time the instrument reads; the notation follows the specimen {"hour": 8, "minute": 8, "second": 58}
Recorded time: {"hour": 2, "minute": 1, "second": 20}
